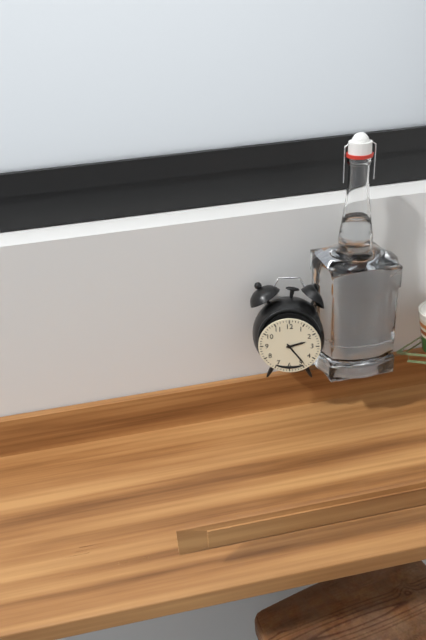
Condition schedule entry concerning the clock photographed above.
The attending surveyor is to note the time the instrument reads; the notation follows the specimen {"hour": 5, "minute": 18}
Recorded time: {"hour": 2, "minute": 24}
